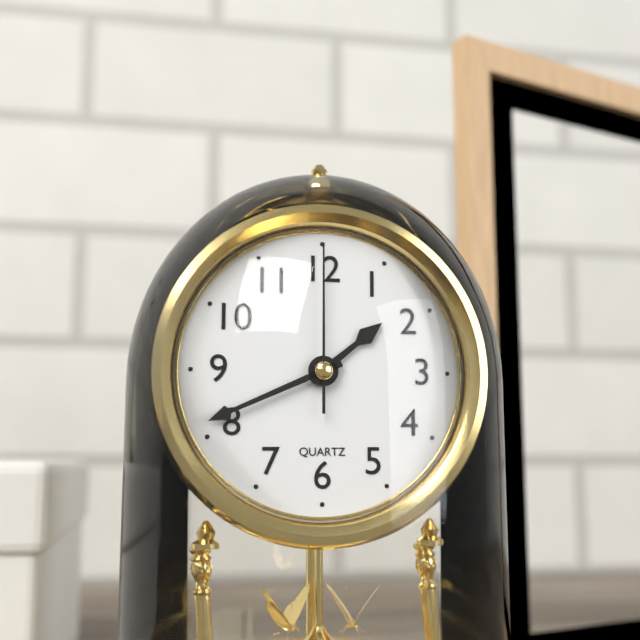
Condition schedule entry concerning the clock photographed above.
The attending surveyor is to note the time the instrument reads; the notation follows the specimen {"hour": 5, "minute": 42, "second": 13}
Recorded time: {"hour": 1, "minute": 41, "second": 0}
